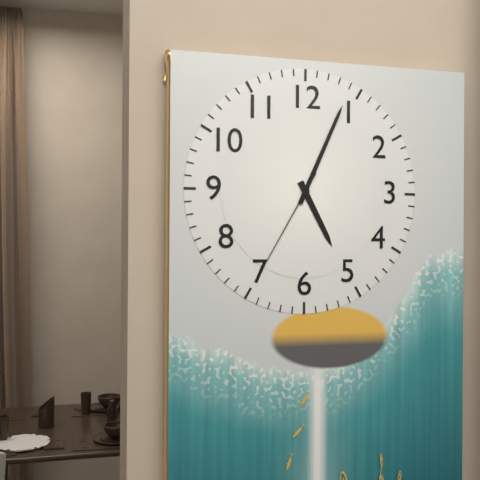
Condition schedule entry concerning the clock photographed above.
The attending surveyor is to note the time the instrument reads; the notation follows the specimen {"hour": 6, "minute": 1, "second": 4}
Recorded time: {"hour": 5, "minute": 4, "second": 35}
